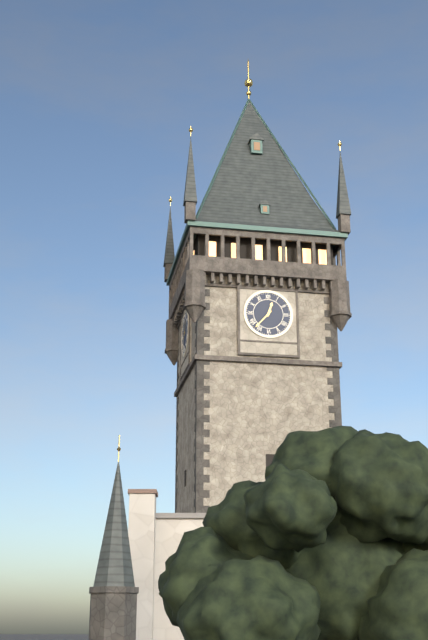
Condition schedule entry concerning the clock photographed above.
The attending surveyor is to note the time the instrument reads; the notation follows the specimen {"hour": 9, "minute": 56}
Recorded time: {"hour": 12, "minute": 37}
